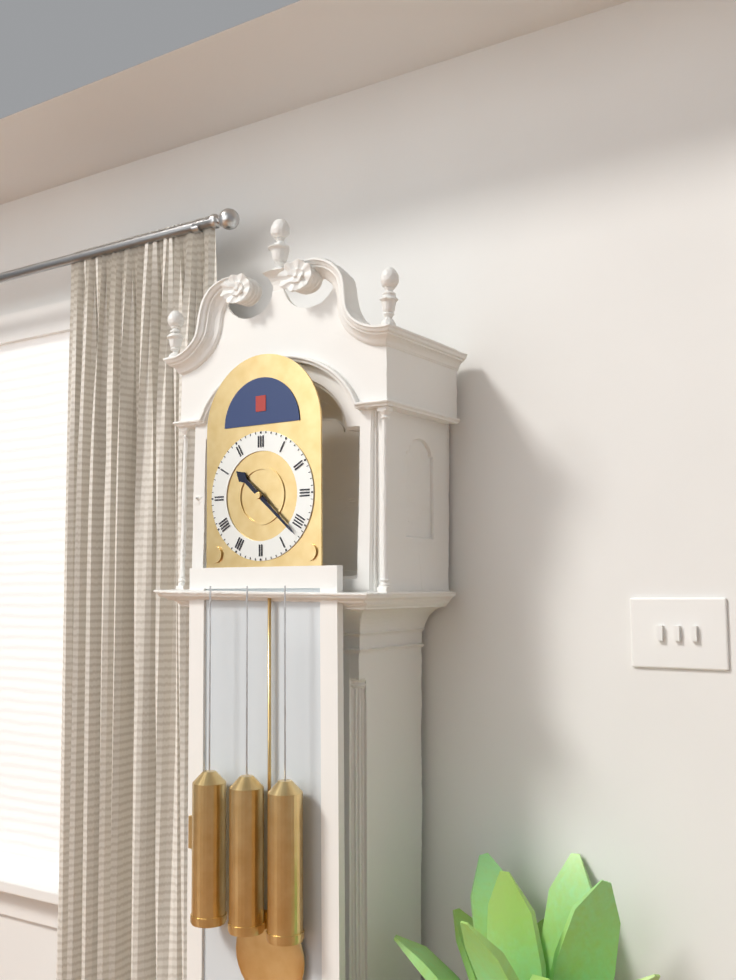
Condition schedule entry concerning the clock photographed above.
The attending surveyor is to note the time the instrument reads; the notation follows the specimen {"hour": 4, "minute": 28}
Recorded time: {"hour": 10, "minute": 22}
